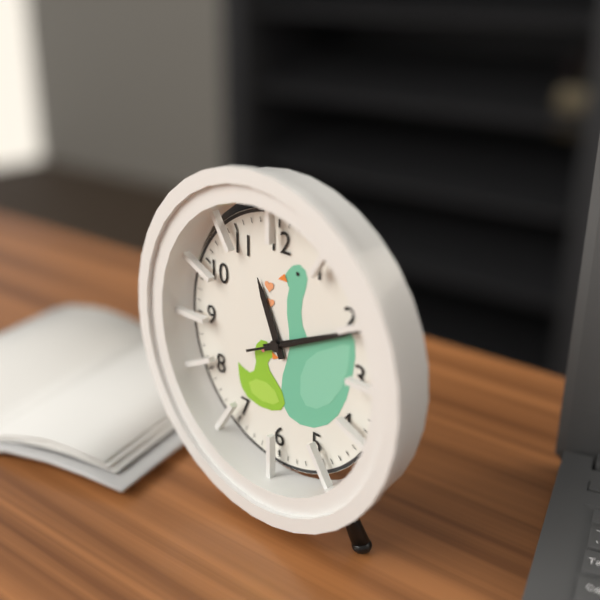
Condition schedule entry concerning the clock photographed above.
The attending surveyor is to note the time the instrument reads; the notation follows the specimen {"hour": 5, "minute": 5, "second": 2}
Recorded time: {"hour": 11, "minute": 11, "second": 11}
